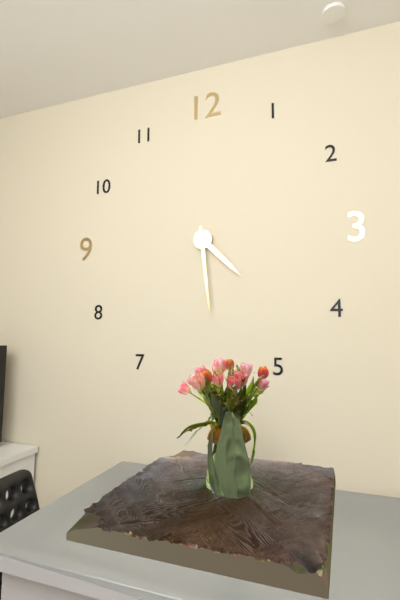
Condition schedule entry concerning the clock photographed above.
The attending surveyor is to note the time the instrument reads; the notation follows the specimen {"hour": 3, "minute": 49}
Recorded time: {"hour": 4, "minute": 29}
